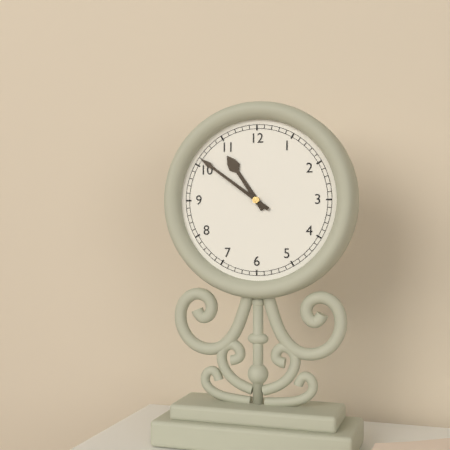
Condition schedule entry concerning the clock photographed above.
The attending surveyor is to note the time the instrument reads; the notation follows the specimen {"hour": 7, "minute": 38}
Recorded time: {"hour": 10, "minute": 51}
